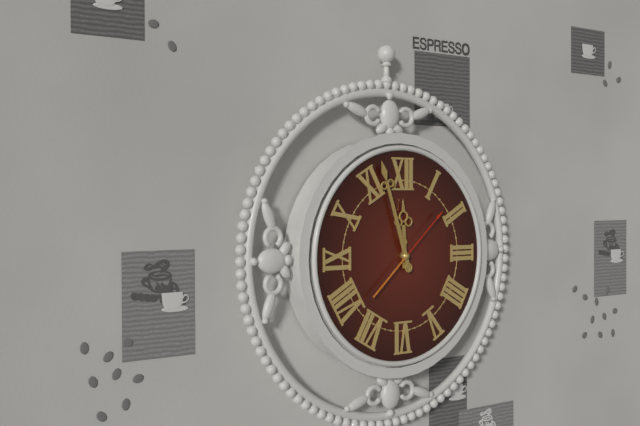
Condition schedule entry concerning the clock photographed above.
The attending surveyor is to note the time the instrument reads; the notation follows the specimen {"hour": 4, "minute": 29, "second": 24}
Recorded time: {"hour": 11, "minute": 57, "second": 8}
